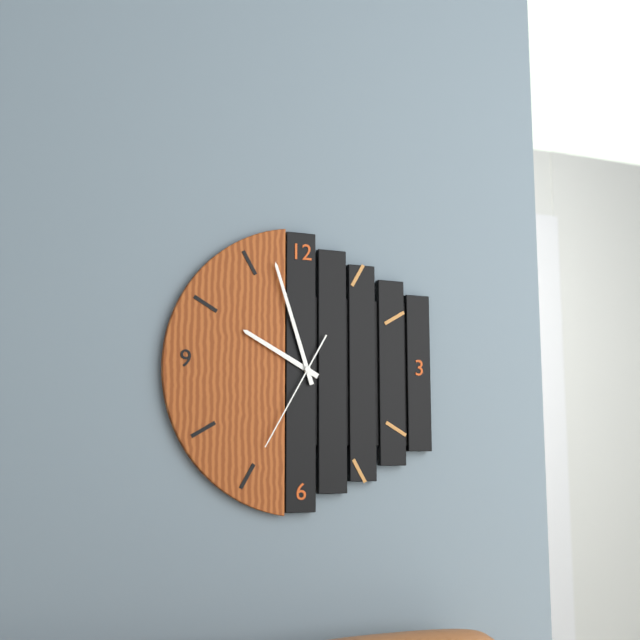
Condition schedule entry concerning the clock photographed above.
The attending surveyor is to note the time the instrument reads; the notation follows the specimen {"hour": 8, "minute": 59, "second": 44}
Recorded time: {"hour": 9, "minute": 57, "second": 35}
